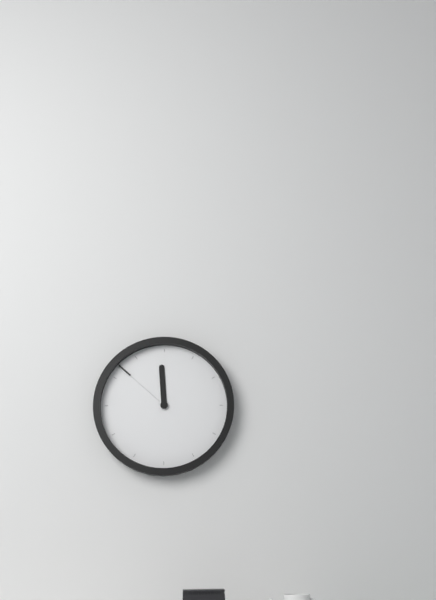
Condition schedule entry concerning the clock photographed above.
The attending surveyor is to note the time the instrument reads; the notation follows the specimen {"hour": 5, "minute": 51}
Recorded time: {"hour": 11, "minute": 52}
